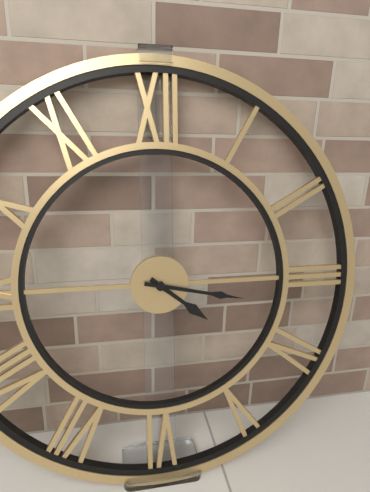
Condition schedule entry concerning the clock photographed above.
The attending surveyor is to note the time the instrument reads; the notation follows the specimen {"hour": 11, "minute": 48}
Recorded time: {"hour": 4, "minute": 17}
